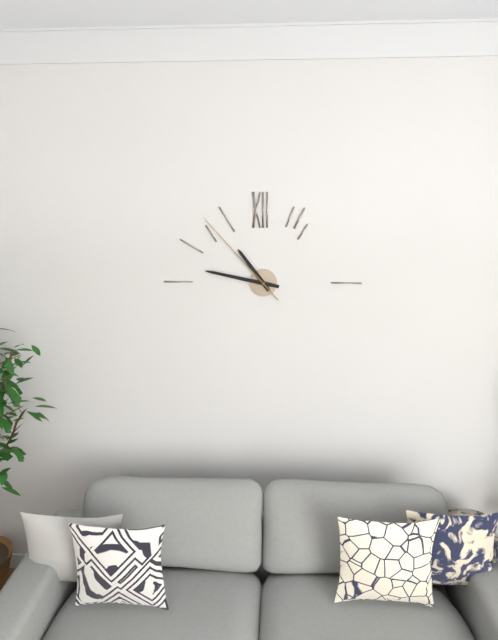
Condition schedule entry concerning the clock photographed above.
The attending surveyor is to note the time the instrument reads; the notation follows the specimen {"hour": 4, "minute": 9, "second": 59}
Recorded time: {"hour": 10, "minute": 47, "second": 53}
